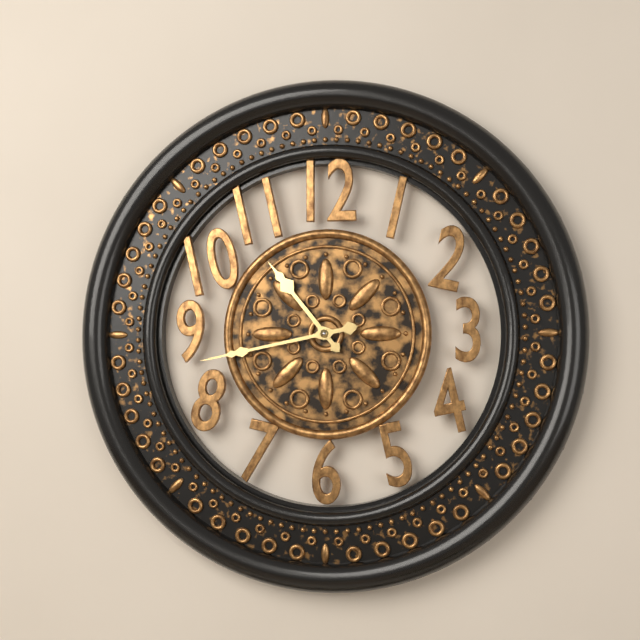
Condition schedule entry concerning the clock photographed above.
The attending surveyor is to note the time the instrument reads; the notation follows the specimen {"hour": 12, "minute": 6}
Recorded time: {"hour": 10, "minute": 43}
